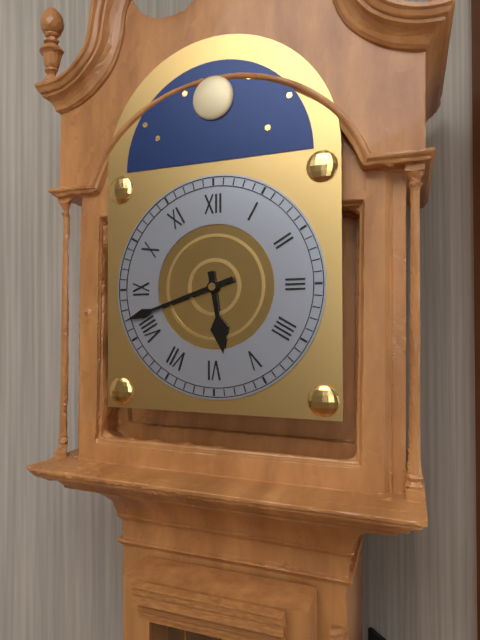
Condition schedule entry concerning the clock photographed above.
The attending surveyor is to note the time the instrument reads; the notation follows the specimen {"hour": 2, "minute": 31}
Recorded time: {"hour": 5, "minute": 42}
